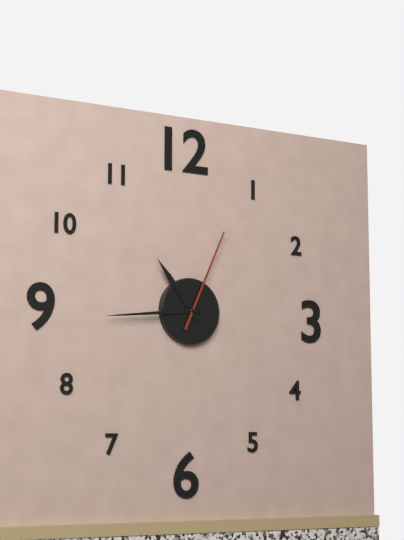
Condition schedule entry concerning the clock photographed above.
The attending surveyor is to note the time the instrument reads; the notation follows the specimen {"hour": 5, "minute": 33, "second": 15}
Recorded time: {"hour": 10, "minute": 44, "second": 4}
